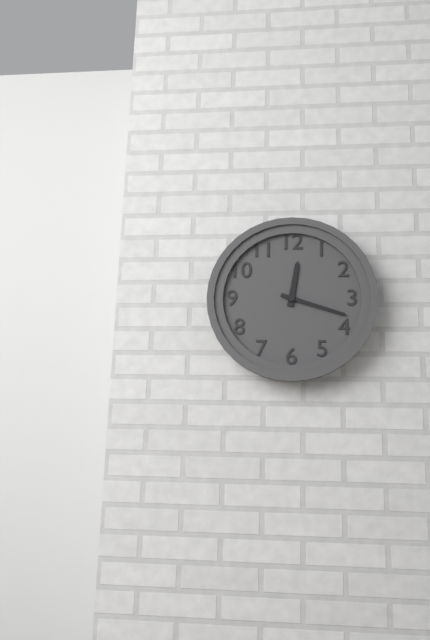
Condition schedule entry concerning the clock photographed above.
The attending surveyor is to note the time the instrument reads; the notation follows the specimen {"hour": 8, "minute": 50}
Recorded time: {"hour": 12, "minute": 18}
